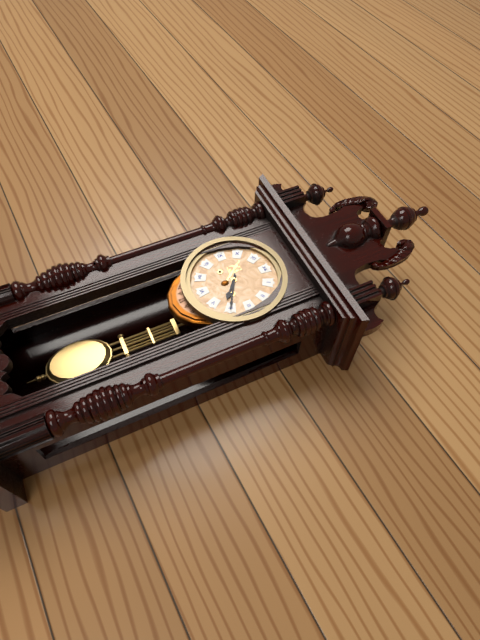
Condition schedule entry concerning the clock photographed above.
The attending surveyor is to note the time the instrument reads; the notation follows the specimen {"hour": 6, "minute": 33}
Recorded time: {"hour": 4, "minute": 20}
